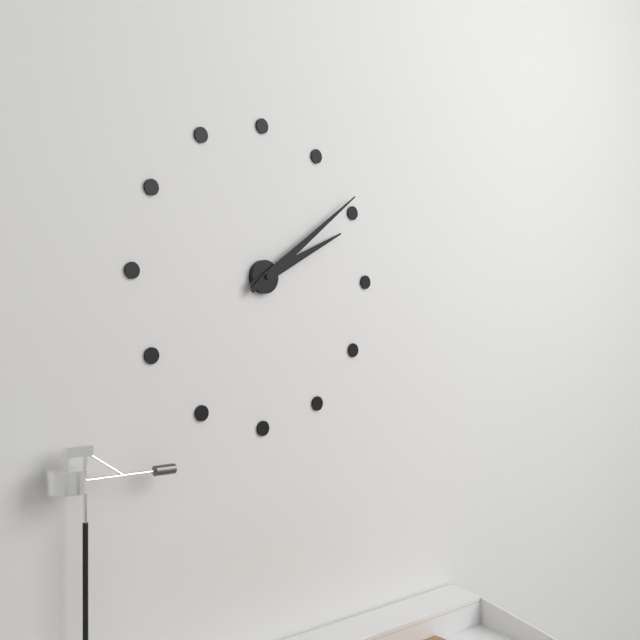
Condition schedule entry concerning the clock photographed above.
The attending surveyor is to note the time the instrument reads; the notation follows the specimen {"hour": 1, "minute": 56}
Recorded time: {"hour": 2, "minute": 9}
